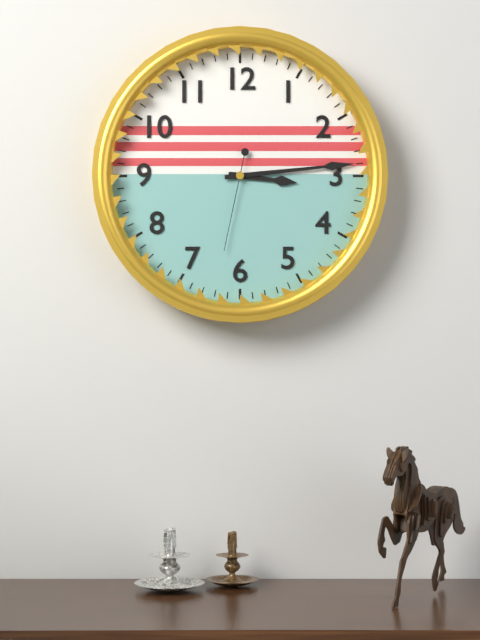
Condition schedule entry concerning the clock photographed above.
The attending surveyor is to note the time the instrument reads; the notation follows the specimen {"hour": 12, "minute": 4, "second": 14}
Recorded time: {"hour": 3, "minute": 14, "second": 32}
